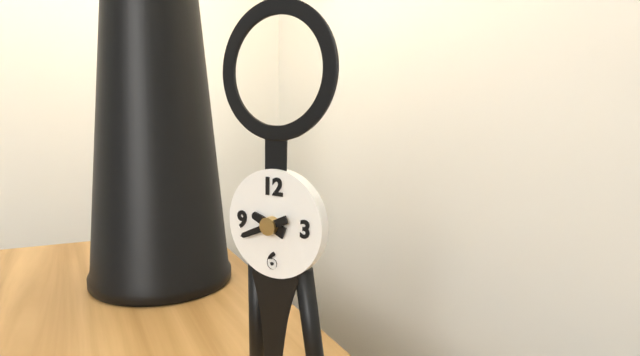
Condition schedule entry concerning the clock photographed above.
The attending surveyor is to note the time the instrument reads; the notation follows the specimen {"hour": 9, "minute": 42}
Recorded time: {"hour": 9, "minute": 41}
